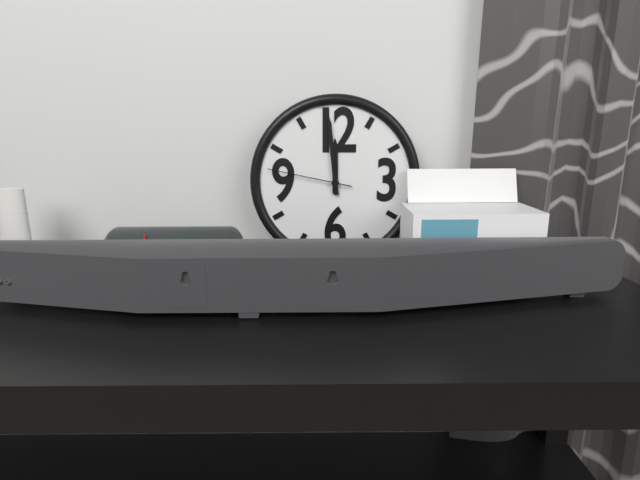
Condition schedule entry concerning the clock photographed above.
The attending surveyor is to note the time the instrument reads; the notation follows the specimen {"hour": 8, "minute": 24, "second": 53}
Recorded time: {"hour": 11, "minute": 59, "second": 47}
